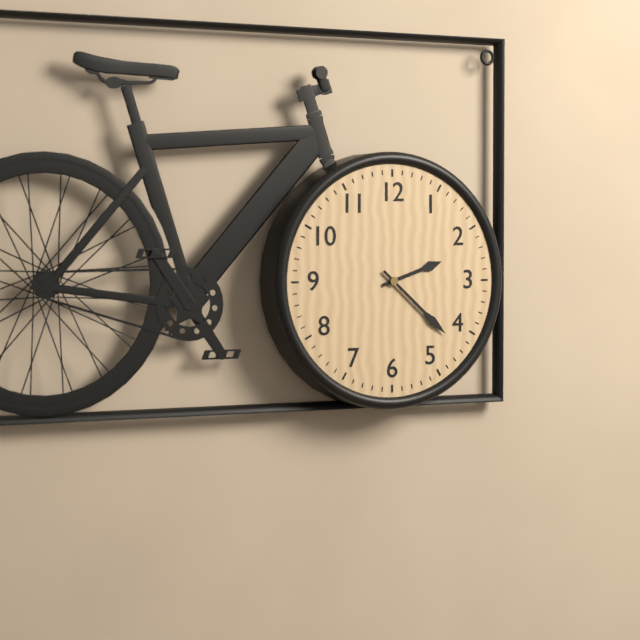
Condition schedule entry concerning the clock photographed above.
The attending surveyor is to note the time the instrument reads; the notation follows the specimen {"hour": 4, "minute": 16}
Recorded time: {"hour": 2, "minute": 22}
